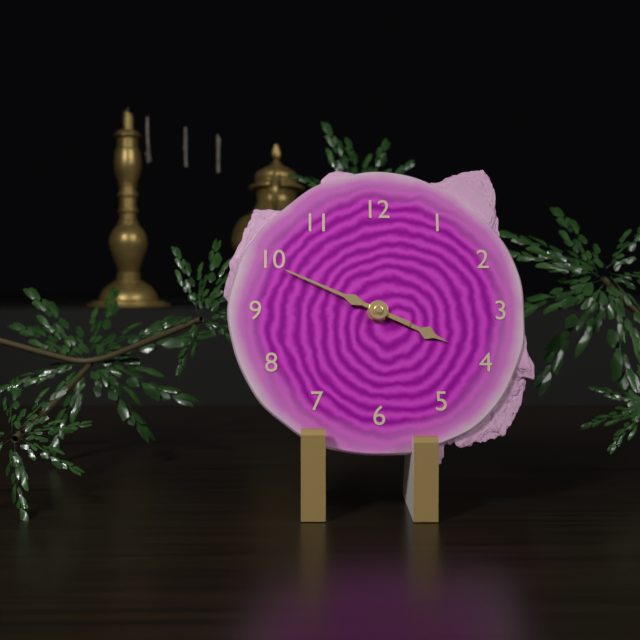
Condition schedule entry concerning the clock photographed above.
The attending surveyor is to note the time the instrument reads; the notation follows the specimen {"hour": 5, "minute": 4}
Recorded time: {"hour": 3, "minute": 49}
